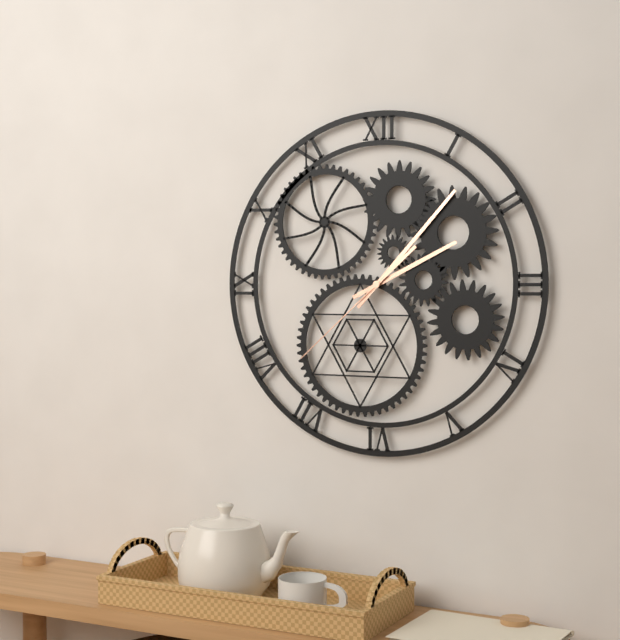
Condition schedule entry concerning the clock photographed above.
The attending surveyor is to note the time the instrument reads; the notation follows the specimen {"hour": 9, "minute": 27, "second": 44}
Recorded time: {"hour": 2, "minute": 7, "second": 38}
